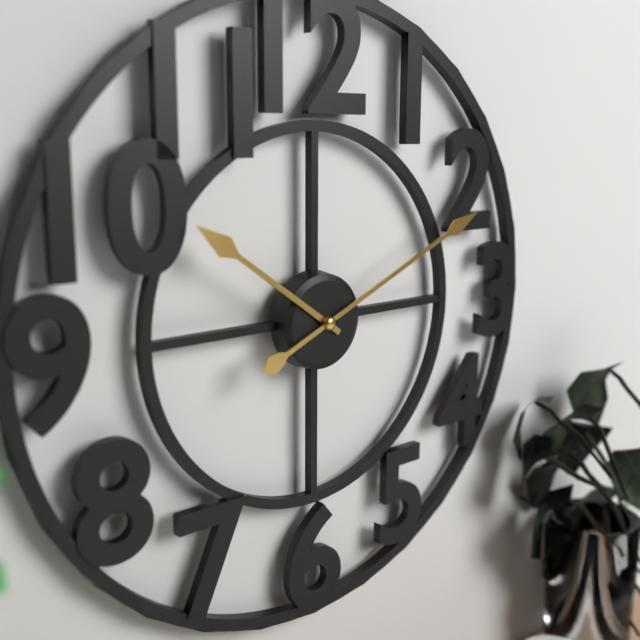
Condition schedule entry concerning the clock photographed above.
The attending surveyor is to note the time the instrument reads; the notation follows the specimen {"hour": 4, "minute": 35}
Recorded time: {"hour": 10, "minute": 11}
